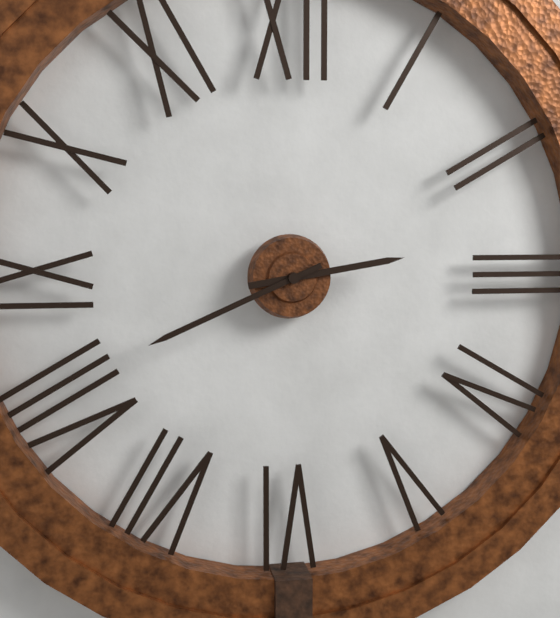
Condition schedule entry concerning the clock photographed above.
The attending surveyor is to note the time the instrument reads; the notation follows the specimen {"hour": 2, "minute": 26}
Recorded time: {"hour": 2, "minute": 41}
